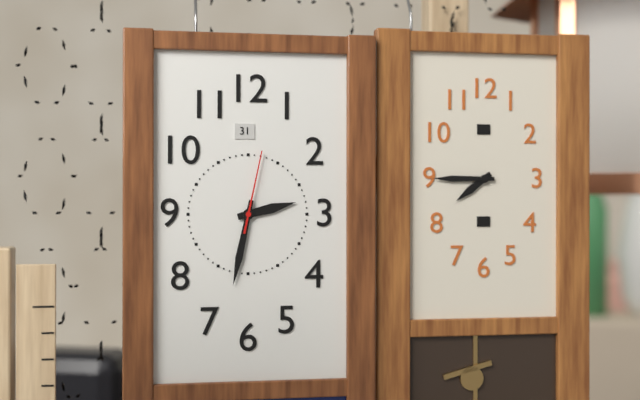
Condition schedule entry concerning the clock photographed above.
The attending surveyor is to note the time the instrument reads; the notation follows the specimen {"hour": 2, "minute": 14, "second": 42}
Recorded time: {"hour": 2, "minute": 32, "second": 2}
